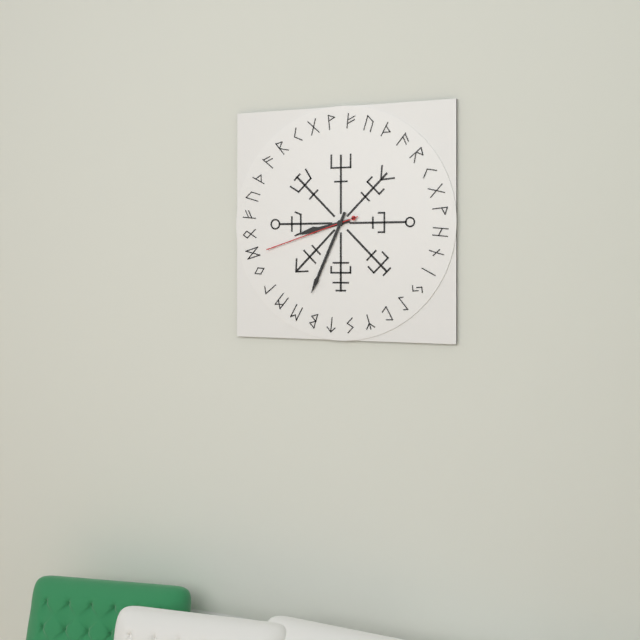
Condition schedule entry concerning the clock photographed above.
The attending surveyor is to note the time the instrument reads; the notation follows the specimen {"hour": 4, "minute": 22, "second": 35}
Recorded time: {"hour": 8, "minute": 34, "second": 42}
